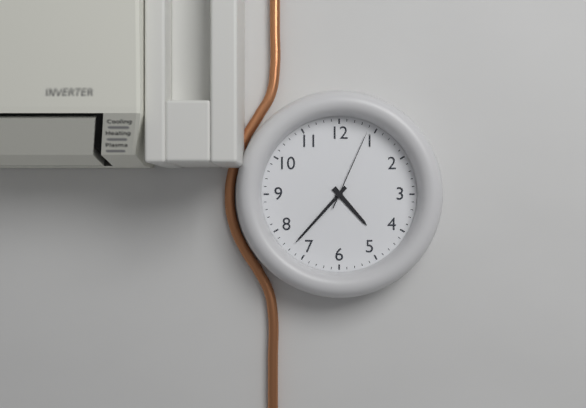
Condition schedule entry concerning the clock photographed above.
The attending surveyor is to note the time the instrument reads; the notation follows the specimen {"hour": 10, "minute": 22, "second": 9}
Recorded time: {"hour": 4, "minute": 37, "second": 4}
